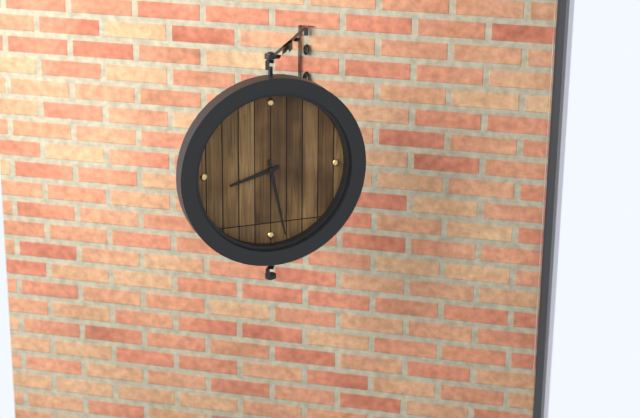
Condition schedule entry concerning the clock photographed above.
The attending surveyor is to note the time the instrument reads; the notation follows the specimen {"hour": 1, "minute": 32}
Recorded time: {"hour": 8, "minute": 28}
